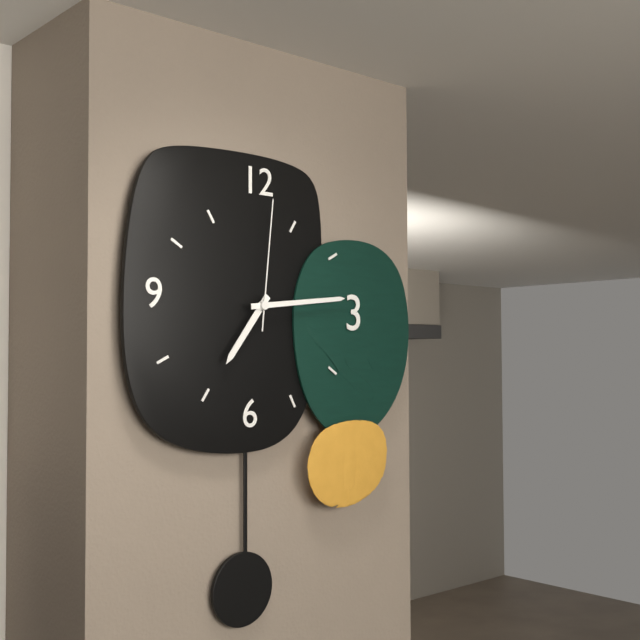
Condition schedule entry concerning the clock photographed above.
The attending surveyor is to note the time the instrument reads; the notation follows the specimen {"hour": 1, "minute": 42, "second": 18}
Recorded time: {"hour": 7, "minute": 14, "second": 1}
